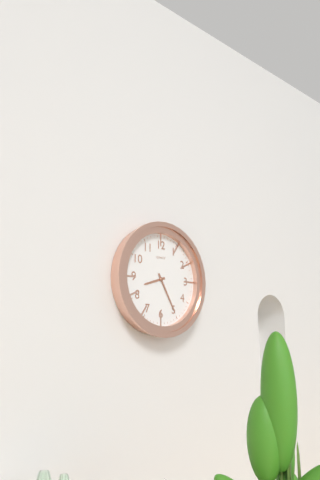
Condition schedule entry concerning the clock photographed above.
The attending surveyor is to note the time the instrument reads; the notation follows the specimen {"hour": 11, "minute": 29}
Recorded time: {"hour": 8, "minute": 25}
